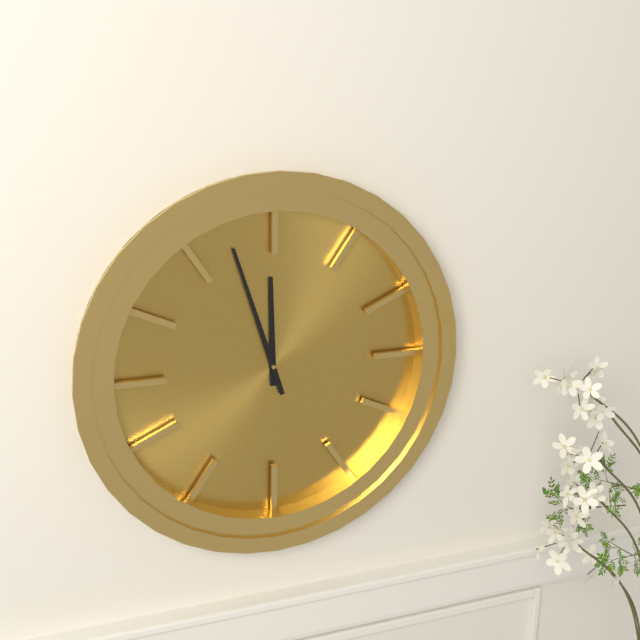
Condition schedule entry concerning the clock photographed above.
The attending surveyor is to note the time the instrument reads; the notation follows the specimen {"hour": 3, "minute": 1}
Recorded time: {"hour": 11, "minute": 57}
